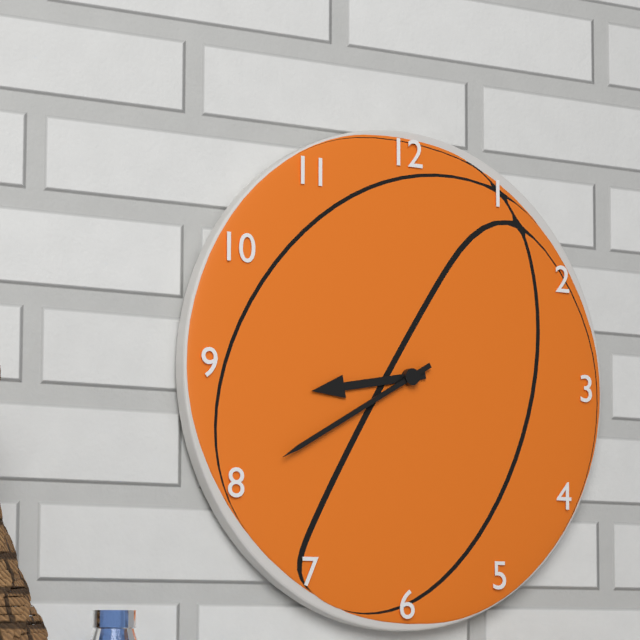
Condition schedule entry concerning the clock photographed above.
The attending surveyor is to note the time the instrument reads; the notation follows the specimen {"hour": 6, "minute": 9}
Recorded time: {"hour": 8, "minute": 40}
